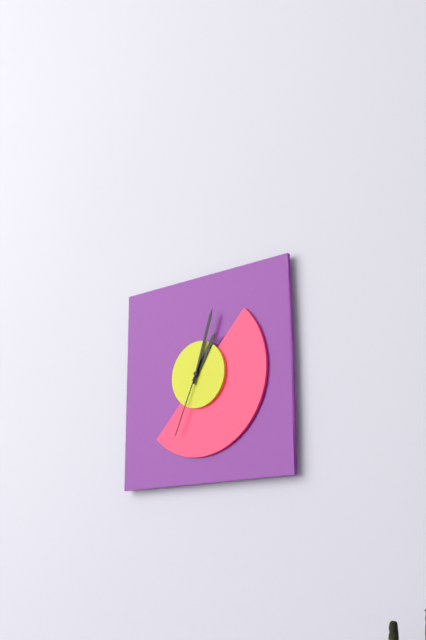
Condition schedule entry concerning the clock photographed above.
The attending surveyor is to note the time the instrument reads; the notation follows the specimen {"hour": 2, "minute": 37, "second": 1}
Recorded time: {"hour": 1, "minute": 3, "second": 34}
